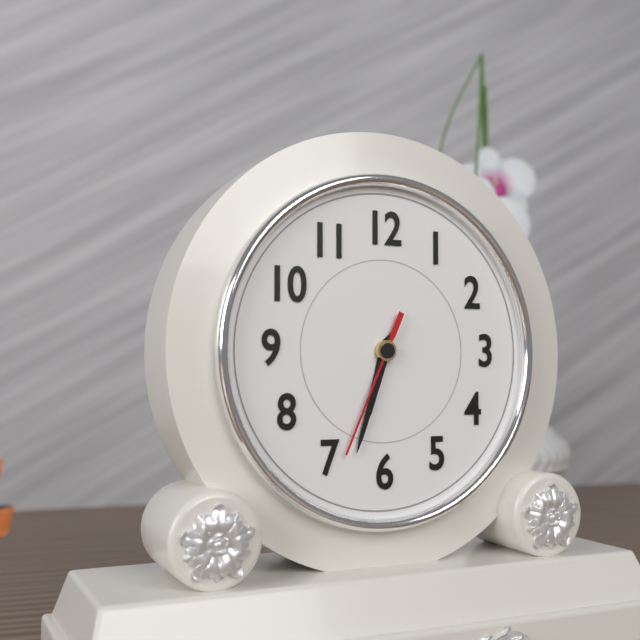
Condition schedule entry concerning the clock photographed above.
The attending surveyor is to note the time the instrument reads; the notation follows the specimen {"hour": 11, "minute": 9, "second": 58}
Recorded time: {"hour": 6, "minute": 33, "second": 34}
